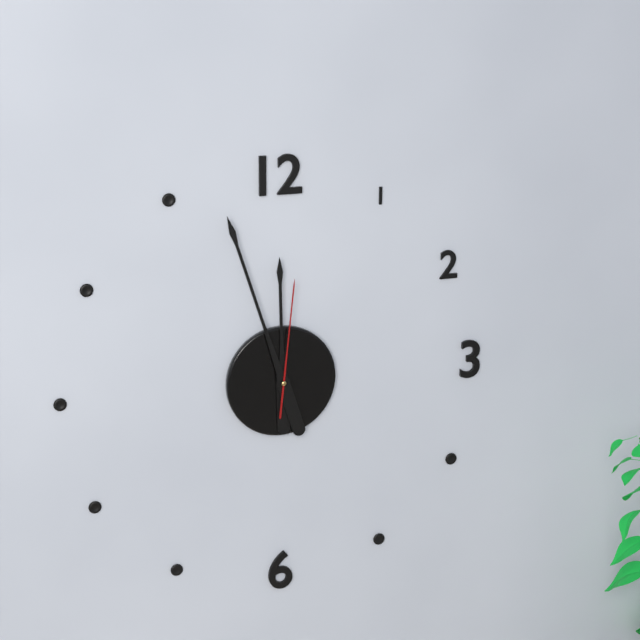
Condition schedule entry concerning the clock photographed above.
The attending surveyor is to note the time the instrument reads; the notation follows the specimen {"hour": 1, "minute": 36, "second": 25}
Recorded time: {"hour": 11, "minute": 57, "second": 1}
